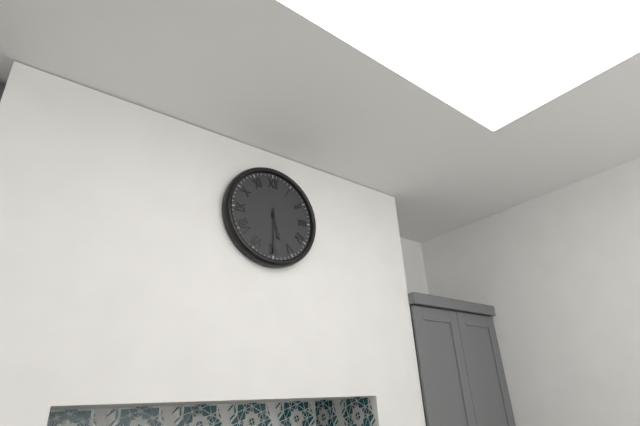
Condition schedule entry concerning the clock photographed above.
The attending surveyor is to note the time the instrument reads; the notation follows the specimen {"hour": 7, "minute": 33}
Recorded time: {"hour": 5, "minute": 30}
